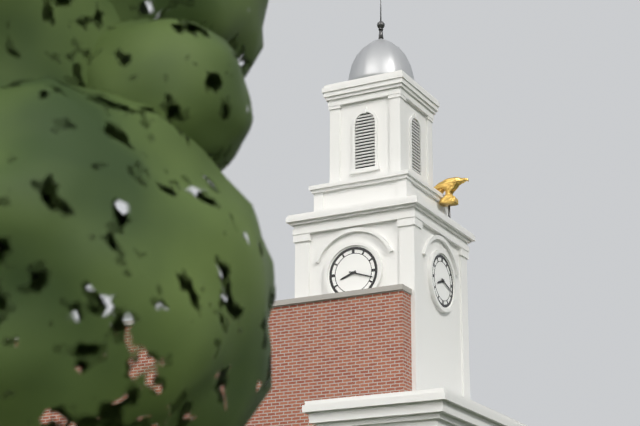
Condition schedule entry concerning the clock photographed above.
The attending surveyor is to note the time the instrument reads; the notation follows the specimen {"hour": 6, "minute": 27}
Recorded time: {"hour": 8, "minute": 18}
